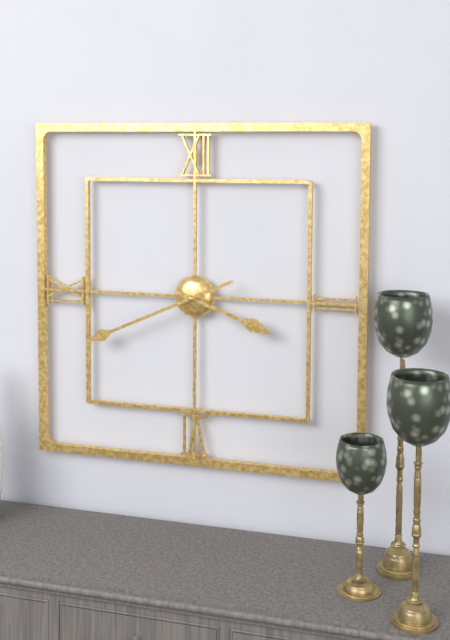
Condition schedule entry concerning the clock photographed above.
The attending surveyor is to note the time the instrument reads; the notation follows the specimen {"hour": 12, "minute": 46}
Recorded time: {"hour": 3, "minute": 41}
